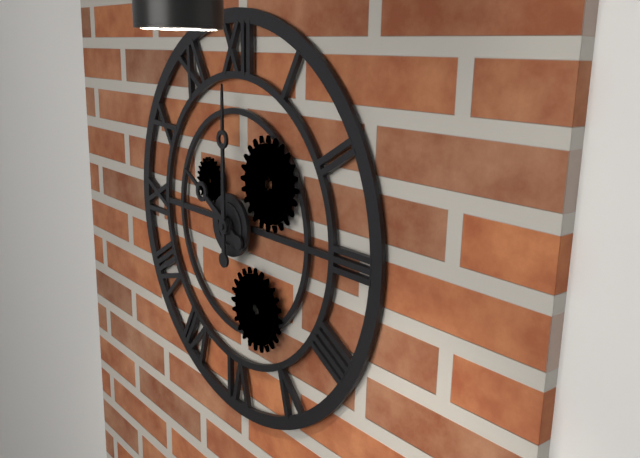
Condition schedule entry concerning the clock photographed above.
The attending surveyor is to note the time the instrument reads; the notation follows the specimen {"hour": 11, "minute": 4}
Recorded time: {"hour": 10, "minute": 0}
